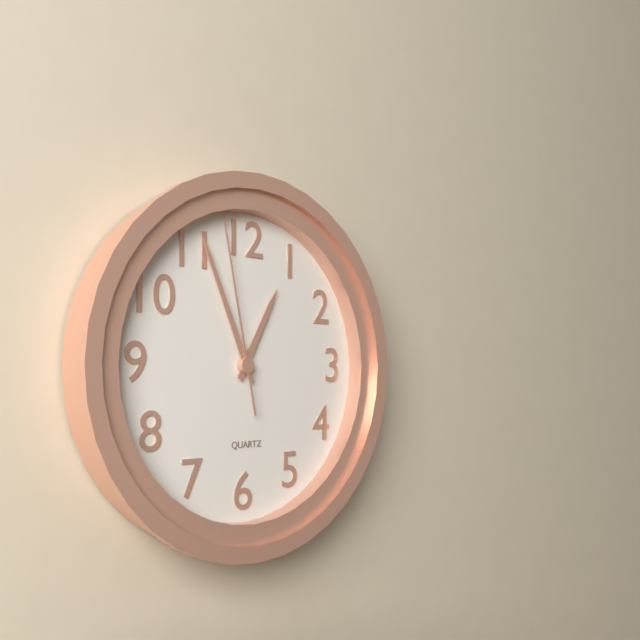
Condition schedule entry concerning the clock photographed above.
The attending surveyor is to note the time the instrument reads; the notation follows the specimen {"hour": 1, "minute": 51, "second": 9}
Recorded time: {"hour": 12, "minute": 56, "second": 58}
